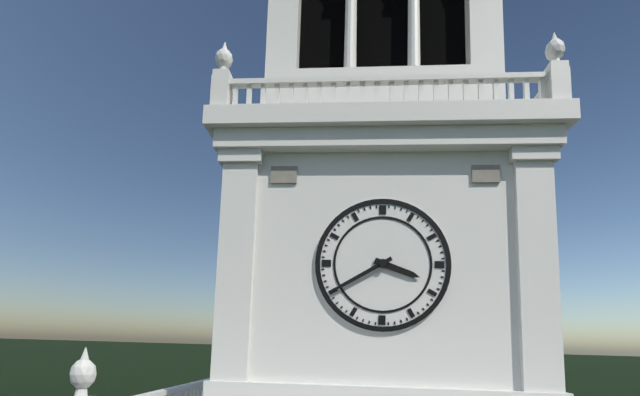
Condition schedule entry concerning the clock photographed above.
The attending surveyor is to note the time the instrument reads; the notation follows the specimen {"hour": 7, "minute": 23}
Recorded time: {"hour": 3, "minute": 40}
